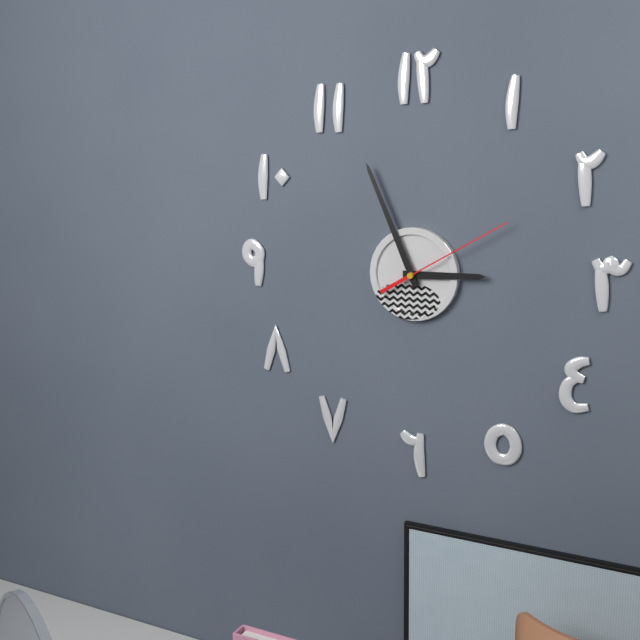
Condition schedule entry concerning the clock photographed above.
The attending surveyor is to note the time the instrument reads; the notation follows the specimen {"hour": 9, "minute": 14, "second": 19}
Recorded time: {"hour": 2, "minute": 56, "second": 10}
